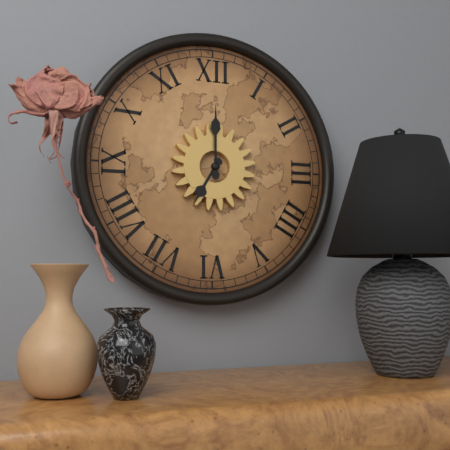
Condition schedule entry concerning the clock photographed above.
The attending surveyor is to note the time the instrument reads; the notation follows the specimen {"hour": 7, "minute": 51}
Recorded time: {"hour": 7, "minute": 0}
